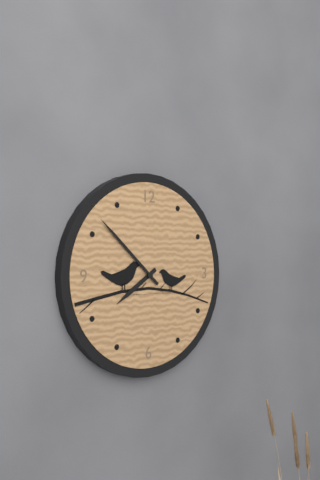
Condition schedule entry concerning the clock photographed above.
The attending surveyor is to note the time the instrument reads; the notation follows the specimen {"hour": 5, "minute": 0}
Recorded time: {"hour": 7, "minute": 52}
